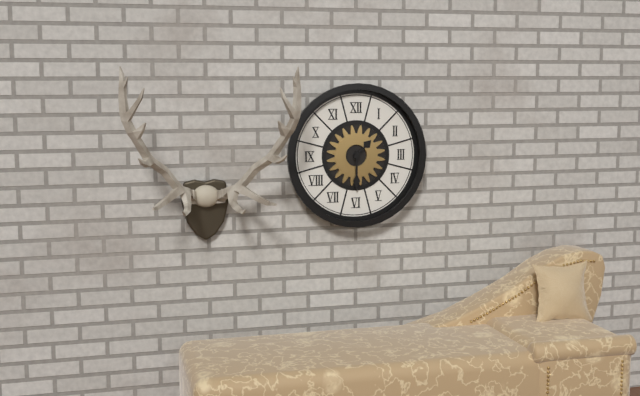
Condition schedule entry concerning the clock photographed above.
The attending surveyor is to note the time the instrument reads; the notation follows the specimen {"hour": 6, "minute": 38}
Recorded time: {"hour": 1, "minute": 30}
